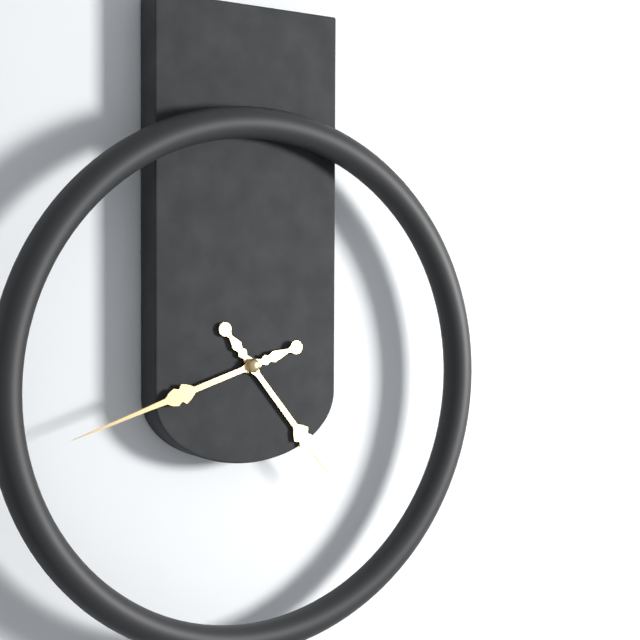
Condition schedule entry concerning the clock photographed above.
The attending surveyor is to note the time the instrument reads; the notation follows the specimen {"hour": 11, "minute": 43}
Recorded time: {"hour": 4, "minute": 42}
